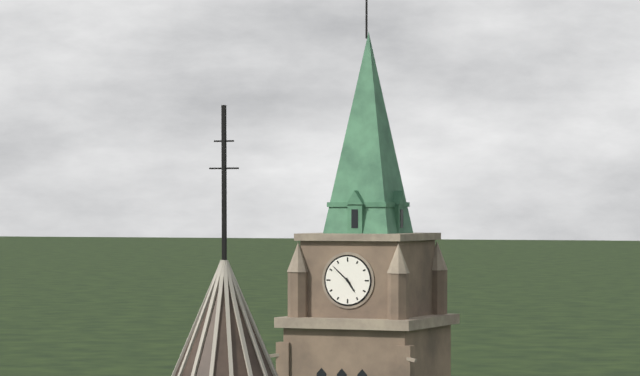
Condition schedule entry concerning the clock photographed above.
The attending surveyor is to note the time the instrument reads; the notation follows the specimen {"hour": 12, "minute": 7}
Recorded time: {"hour": 4, "minute": 52}
